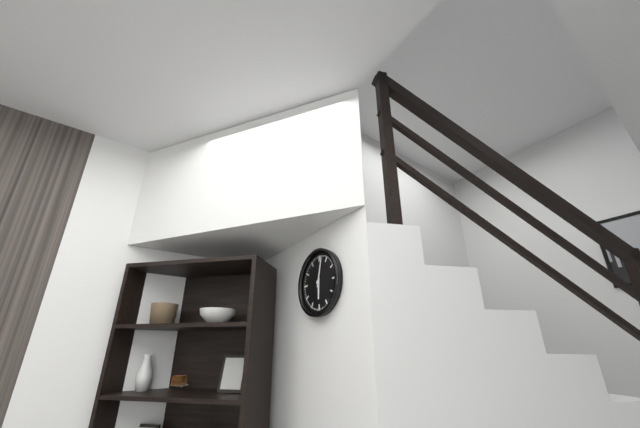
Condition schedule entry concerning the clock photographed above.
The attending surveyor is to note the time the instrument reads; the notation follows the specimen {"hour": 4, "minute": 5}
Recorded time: {"hour": 6, "minute": 2}
